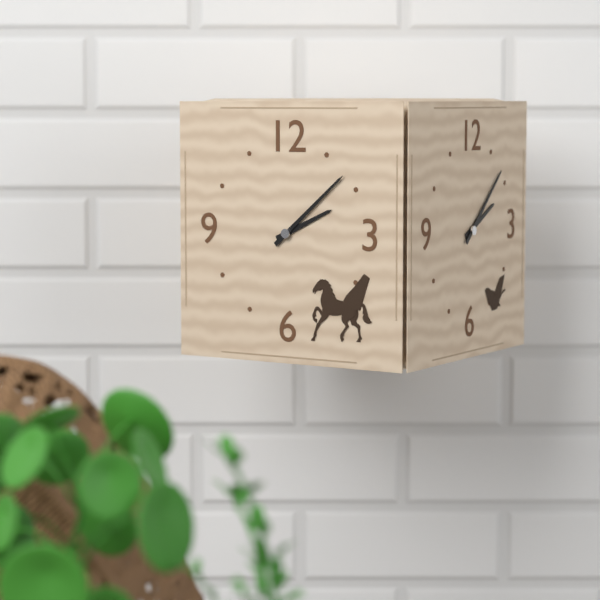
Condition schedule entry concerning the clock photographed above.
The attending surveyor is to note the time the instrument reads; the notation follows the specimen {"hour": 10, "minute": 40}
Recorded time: {"hour": 2, "minute": 8}
